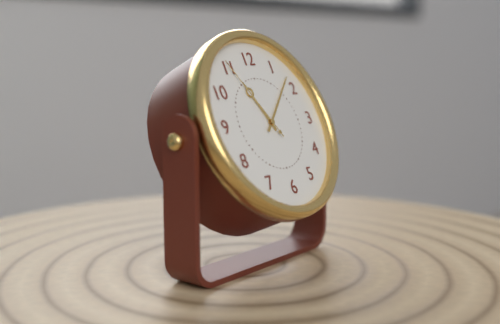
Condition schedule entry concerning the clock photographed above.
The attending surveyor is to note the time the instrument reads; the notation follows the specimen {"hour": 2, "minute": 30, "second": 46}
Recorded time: {"hour": 11, "minute": 8, "second": 55}
